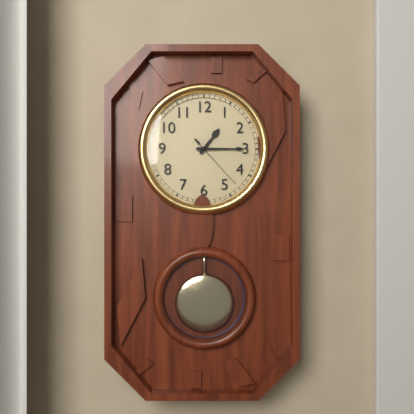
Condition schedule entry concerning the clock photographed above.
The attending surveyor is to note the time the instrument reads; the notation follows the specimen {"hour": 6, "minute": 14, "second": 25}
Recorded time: {"hour": 1, "minute": 15, "second": 23}
